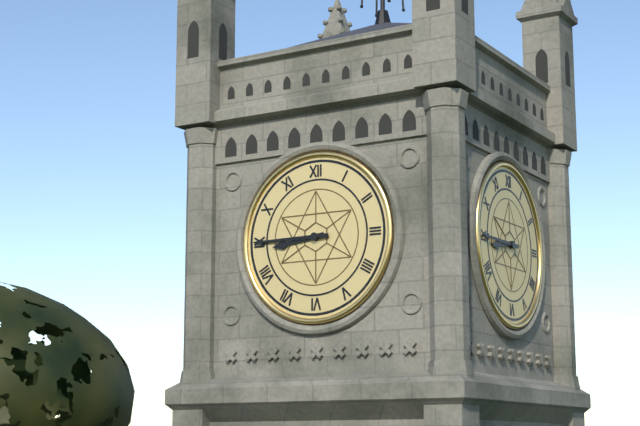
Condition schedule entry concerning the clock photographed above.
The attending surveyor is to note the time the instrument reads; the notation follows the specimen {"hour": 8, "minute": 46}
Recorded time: {"hour": 8, "minute": 45}
